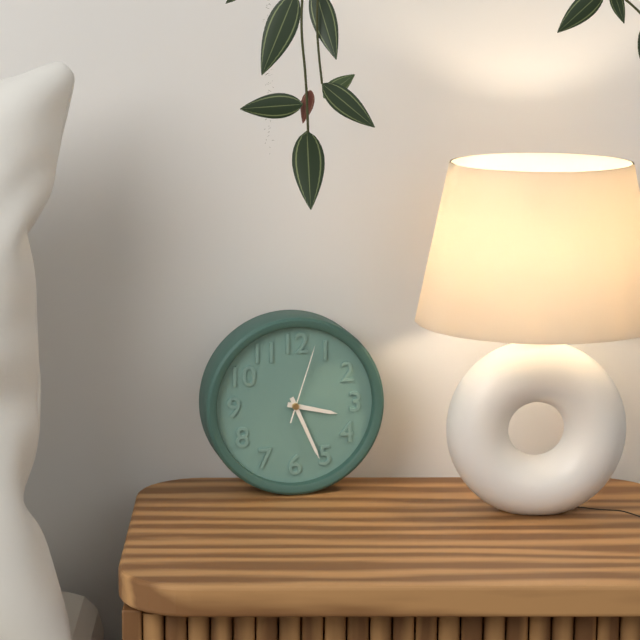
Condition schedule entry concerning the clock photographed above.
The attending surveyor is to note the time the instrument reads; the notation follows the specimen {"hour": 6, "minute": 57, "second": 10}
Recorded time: {"hour": 3, "minute": 26, "second": 3}
